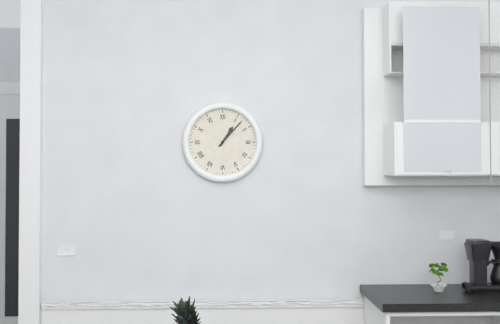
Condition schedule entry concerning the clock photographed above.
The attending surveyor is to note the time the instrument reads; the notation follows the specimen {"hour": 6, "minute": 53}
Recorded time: {"hour": 1, "minute": 7}
